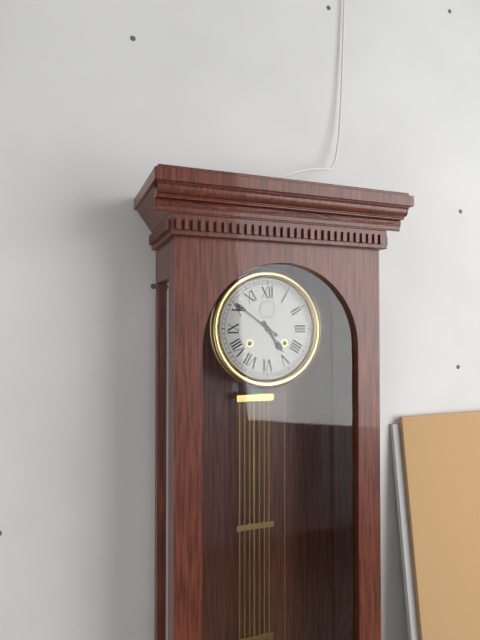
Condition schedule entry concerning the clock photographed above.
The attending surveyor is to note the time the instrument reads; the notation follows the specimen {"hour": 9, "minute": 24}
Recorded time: {"hour": 4, "minute": 51}
